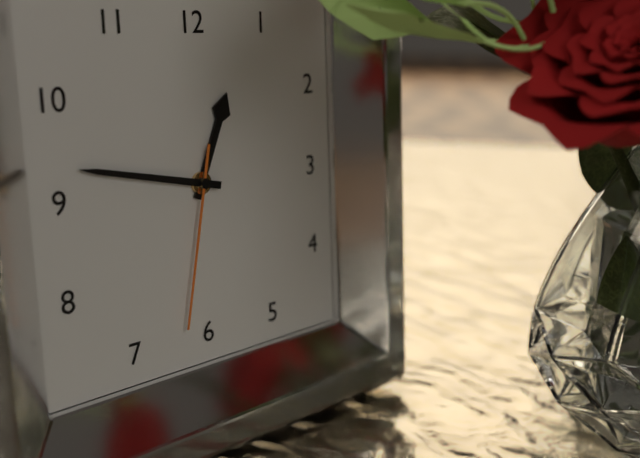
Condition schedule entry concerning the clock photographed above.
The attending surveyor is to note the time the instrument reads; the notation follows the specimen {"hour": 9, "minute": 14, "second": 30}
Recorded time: {"hour": 12, "minute": 47, "second": 32}
